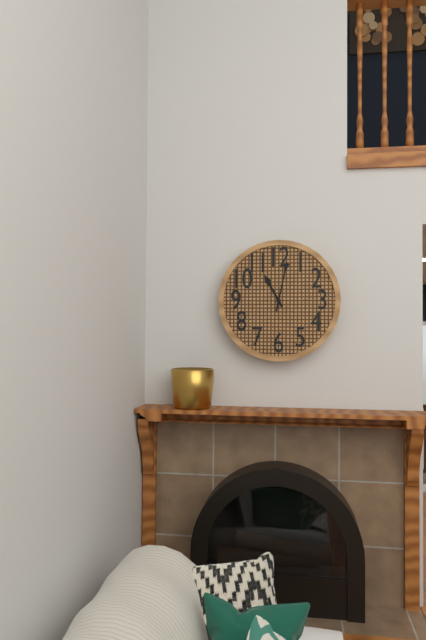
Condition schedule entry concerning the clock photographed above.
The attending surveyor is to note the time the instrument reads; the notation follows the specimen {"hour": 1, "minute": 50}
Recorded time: {"hour": 11, "minute": 2}
